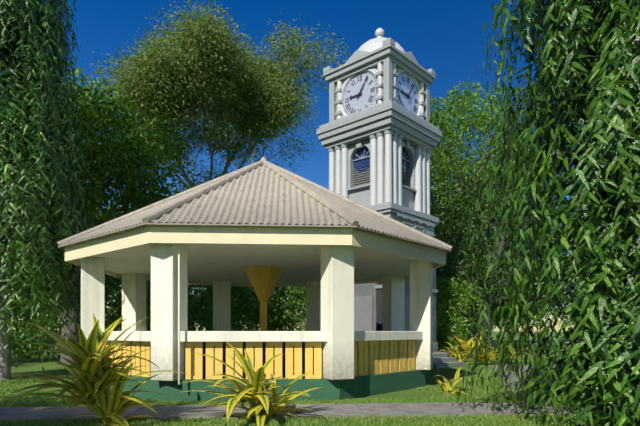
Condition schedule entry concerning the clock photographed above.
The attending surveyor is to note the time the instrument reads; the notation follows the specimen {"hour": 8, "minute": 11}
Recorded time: {"hour": 9, "minute": 6}
